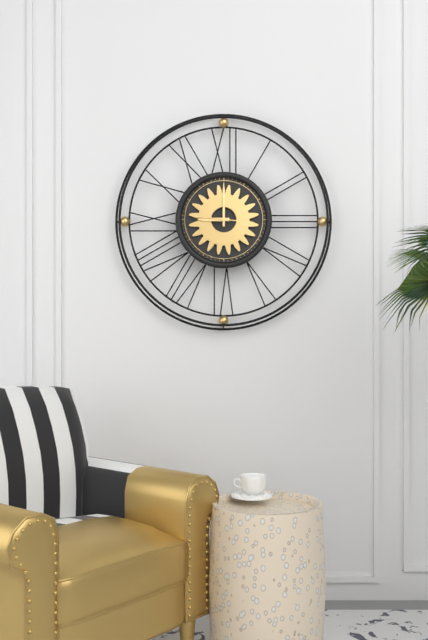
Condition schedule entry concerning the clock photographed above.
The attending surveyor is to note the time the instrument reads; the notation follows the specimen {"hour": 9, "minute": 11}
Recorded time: {"hour": 9, "minute": 0}
